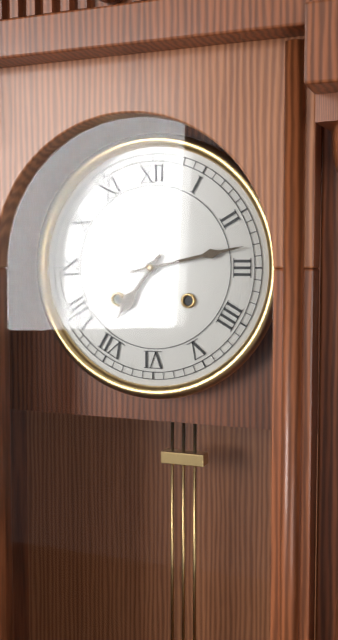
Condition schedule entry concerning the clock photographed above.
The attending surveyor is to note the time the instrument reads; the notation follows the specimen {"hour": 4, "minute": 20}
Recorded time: {"hour": 7, "minute": 13}
